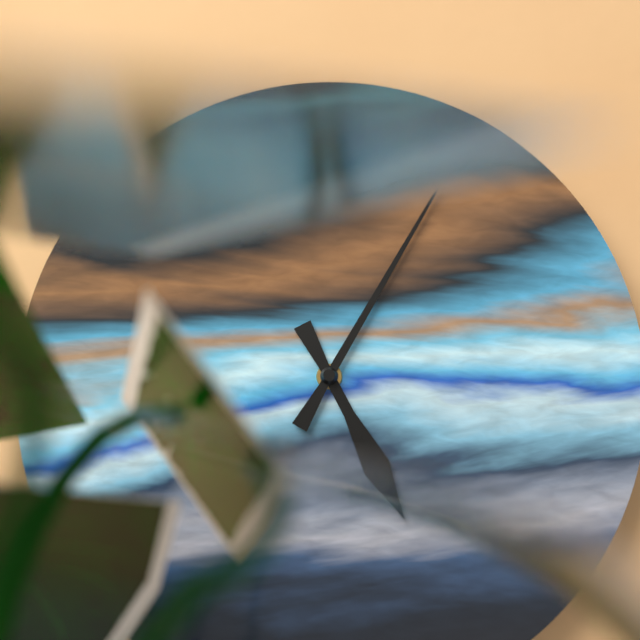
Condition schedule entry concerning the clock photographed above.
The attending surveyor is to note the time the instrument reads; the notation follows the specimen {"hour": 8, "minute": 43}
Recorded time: {"hour": 5, "minute": 5}
